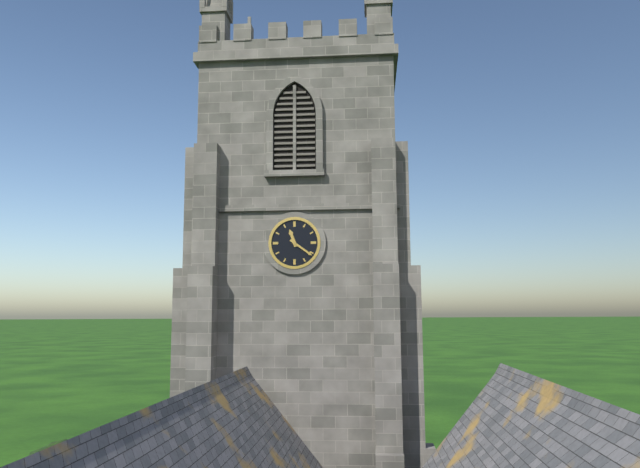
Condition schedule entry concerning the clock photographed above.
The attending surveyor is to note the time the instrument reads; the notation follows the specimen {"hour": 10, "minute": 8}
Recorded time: {"hour": 11, "minute": 21}
